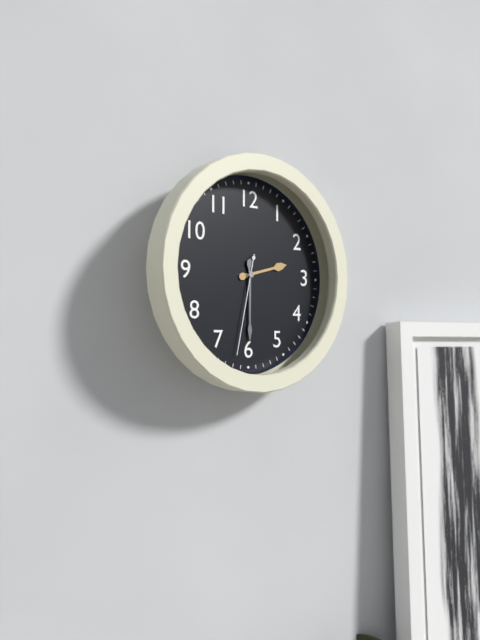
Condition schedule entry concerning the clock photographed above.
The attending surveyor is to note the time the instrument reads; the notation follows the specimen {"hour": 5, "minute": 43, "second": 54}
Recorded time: {"hour": 2, "minute": 30, "second": 32}
